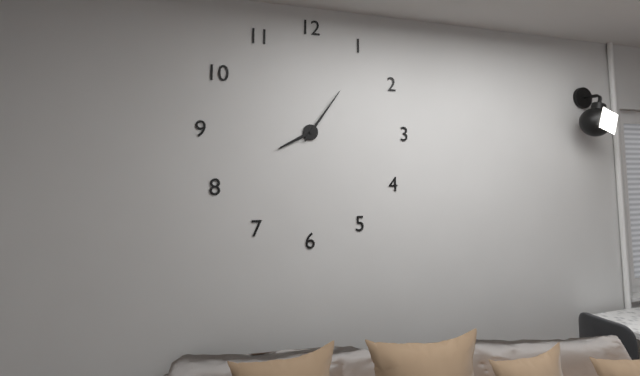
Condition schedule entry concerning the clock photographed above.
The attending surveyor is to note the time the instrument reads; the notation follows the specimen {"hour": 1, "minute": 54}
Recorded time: {"hour": 8, "minute": 6}
